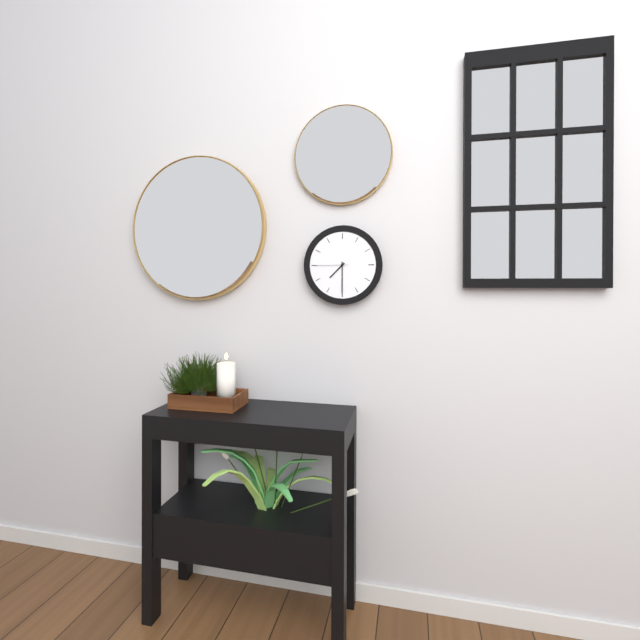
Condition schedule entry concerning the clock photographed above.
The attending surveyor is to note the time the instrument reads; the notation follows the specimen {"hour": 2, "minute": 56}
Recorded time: {"hour": 7, "minute": 30}
